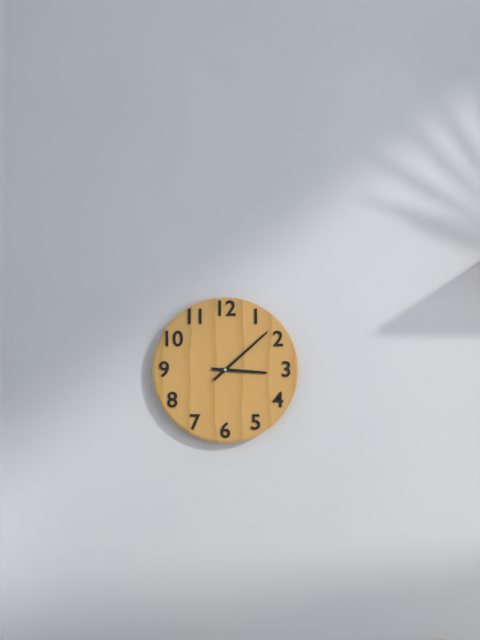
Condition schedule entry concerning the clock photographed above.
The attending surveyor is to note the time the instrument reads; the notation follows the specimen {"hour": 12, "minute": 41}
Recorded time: {"hour": 3, "minute": 8}
